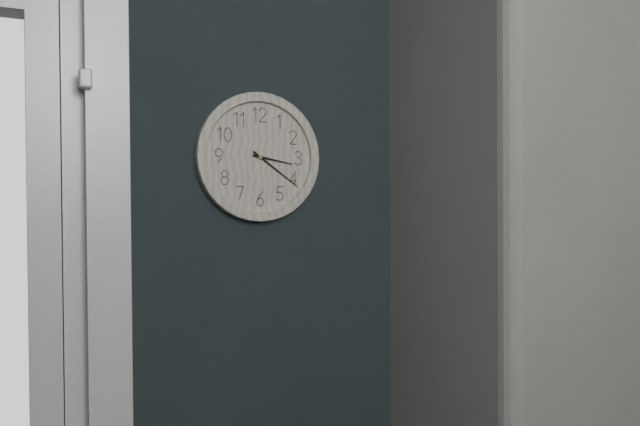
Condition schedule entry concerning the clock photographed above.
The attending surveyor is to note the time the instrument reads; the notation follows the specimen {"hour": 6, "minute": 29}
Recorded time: {"hour": 3, "minute": 21}
